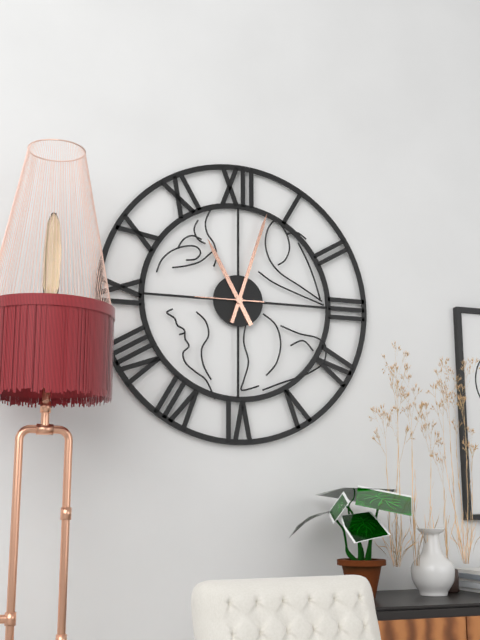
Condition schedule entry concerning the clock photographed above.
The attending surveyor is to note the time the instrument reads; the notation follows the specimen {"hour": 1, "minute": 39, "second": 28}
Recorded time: {"hour": 11, "minute": 3, "second": 45}
